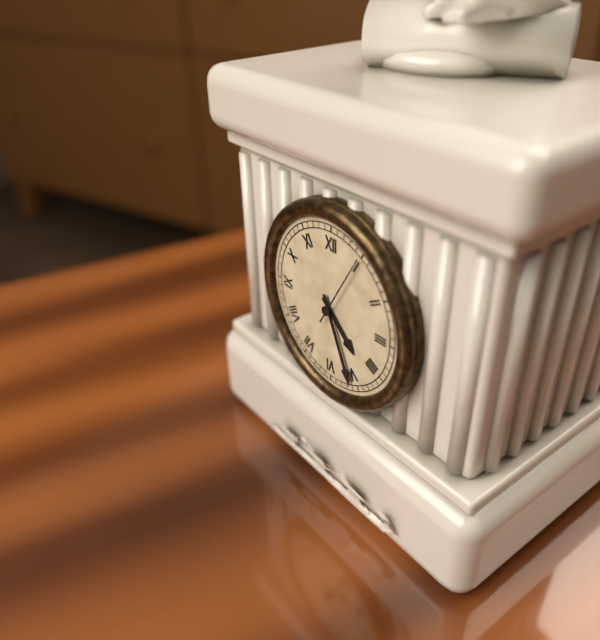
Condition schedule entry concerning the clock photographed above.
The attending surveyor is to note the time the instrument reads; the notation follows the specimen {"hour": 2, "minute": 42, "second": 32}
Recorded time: {"hour": 4, "minute": 26, "second": 5}
